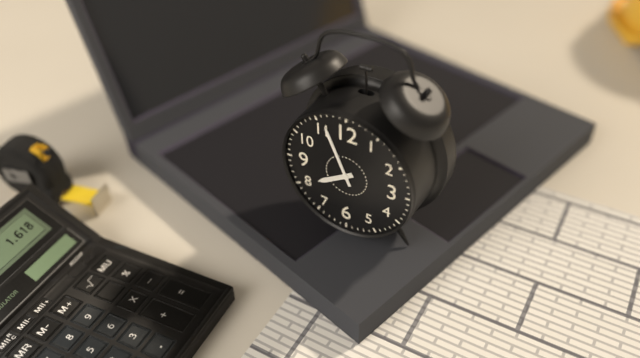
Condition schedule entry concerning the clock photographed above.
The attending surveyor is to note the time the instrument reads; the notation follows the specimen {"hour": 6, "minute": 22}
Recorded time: {"hour": 7, "minute": 56}
